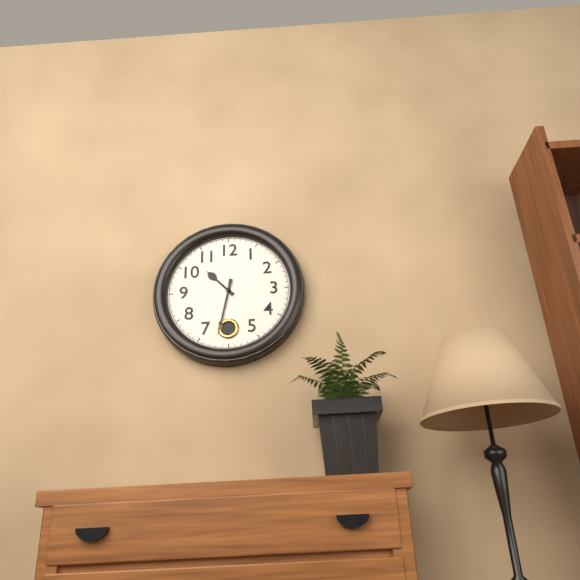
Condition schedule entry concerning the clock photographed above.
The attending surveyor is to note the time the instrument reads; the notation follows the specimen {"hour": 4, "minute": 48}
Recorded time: {"hour": 10, "minute": 32}
